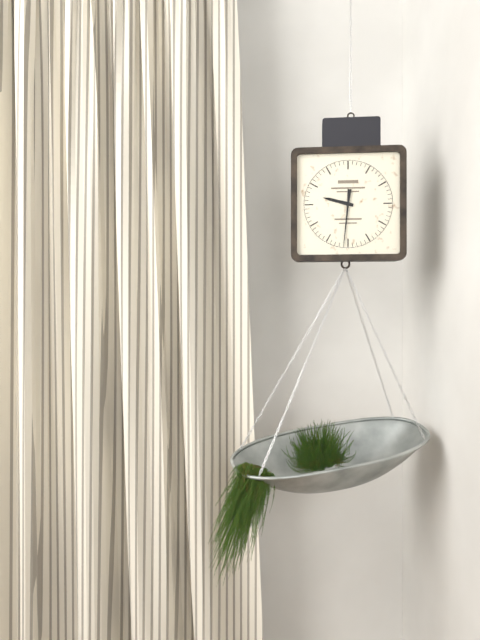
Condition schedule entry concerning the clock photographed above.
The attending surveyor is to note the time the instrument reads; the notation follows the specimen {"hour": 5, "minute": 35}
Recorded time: {"hour": 9, "minute": 31}
